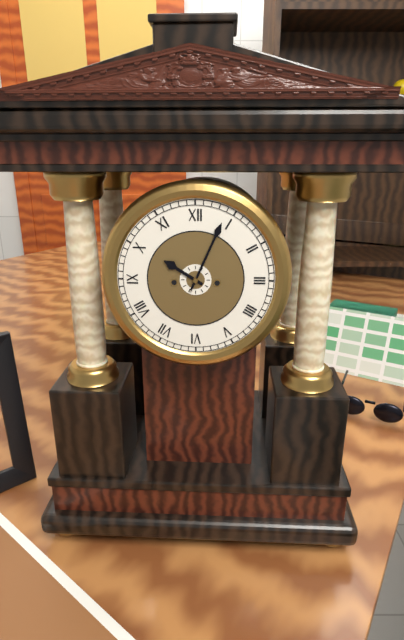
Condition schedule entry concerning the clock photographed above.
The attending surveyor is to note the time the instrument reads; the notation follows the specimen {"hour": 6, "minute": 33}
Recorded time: {"hour": 10, "minute": 4}
